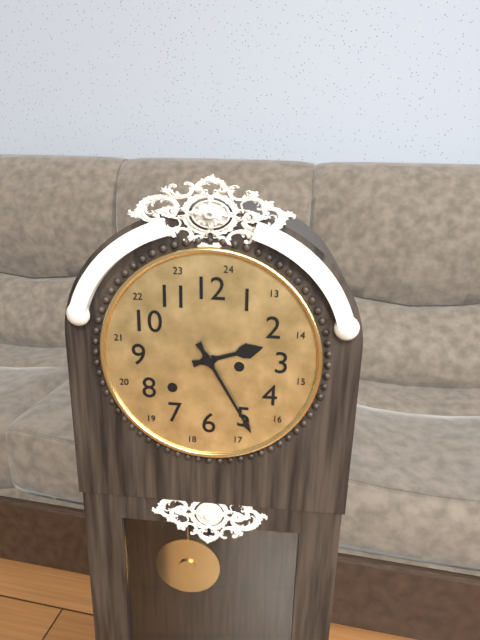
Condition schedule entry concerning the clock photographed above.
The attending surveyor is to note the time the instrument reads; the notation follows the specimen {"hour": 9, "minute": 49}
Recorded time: {"hour": 2, "minute": 25}
